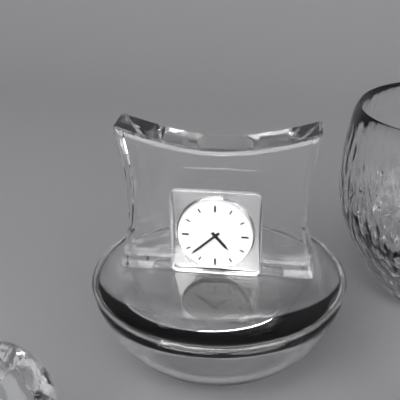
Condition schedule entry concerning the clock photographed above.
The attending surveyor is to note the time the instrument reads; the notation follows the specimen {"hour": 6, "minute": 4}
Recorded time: {"hour": 4, "minute": 38}
